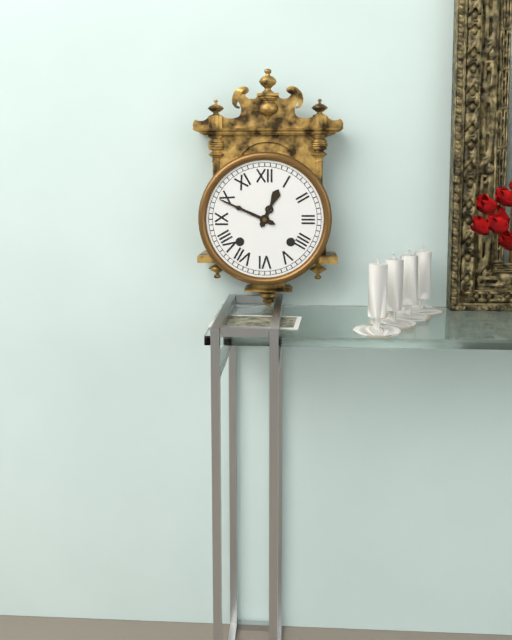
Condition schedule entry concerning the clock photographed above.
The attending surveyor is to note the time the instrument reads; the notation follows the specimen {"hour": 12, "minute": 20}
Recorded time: {"hour": 12, "minute": 49}
